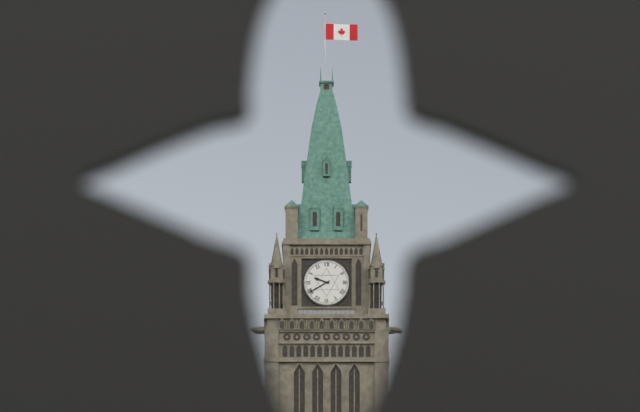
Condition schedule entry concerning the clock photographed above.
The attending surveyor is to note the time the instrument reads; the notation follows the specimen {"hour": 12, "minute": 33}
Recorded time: {"hour": 9, "minute": 40}
